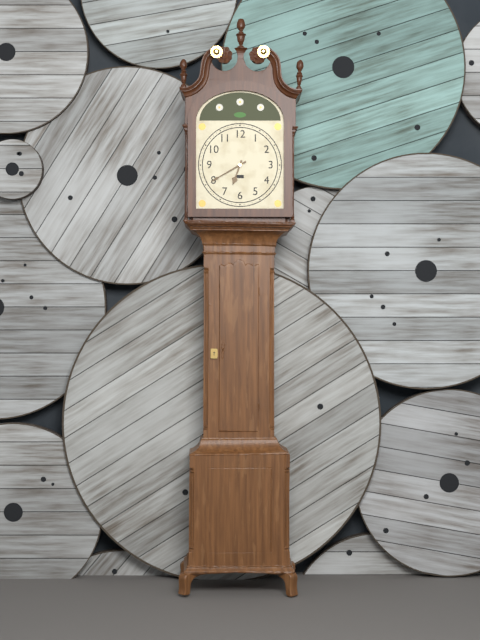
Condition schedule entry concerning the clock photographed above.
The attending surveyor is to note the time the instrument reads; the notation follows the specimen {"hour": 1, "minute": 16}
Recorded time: {"hour": 6, "minute": 40}
